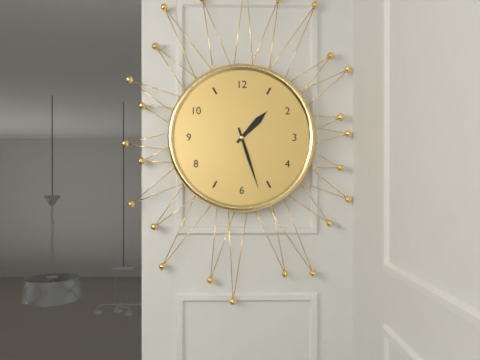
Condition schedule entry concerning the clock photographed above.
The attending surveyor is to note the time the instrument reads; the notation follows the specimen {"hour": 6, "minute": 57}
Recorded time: {"hour": 1, "minute": 27}
